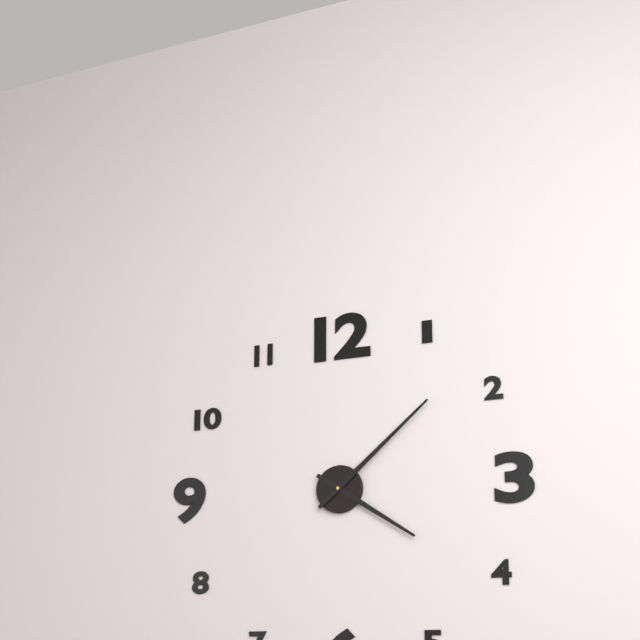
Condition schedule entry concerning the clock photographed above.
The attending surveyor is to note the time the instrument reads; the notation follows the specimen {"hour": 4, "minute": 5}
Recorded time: {"hour": 4, "minute": 8}
